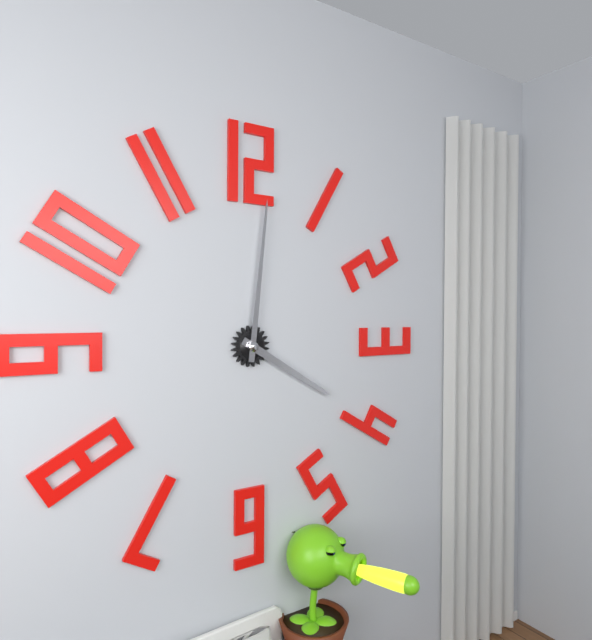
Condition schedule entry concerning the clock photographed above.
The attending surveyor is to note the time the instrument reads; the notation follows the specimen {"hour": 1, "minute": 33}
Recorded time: {"hour": 4, "minute": 1}
